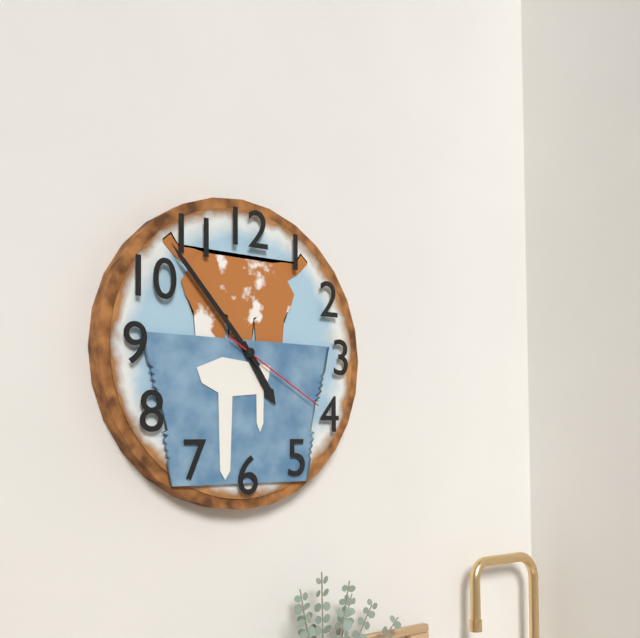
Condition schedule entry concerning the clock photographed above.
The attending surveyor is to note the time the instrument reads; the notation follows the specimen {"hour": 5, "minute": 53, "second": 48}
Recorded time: {"hour": 4, "minute": 53, "second": 20}
